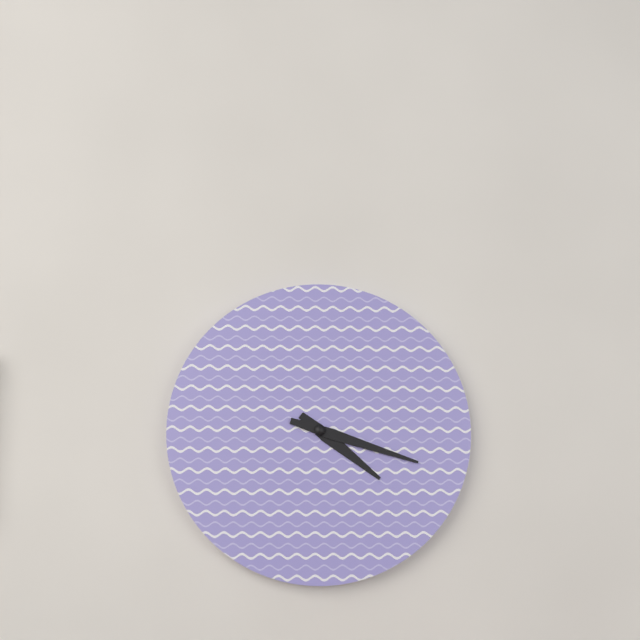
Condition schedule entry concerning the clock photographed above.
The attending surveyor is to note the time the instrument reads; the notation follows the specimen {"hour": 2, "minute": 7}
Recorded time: {"hour": 4, "minute": 18}
